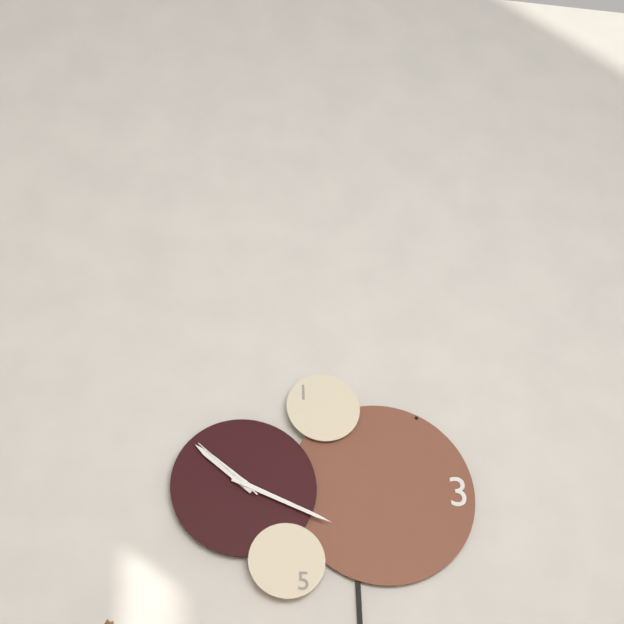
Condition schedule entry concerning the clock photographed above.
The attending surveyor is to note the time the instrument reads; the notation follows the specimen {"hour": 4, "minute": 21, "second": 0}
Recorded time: {"hour": 10, "minute": 19, "second": 52}
